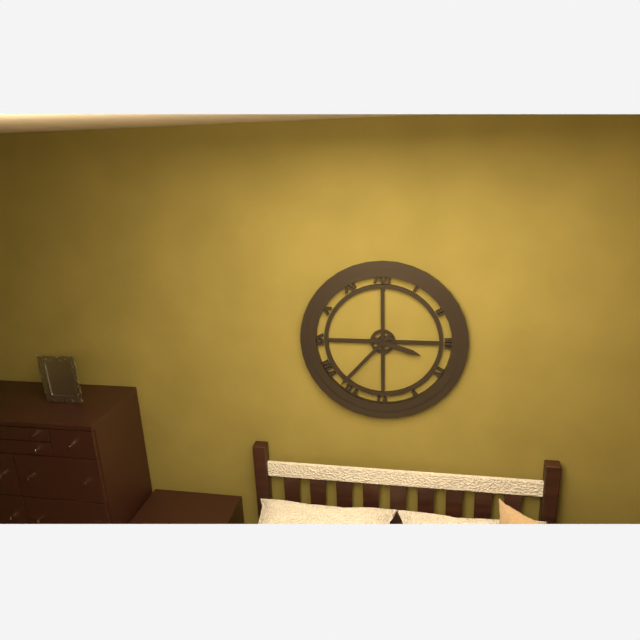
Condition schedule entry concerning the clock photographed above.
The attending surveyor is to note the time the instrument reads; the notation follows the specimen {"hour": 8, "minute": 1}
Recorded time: {"hour": 3, "minute": 37}
